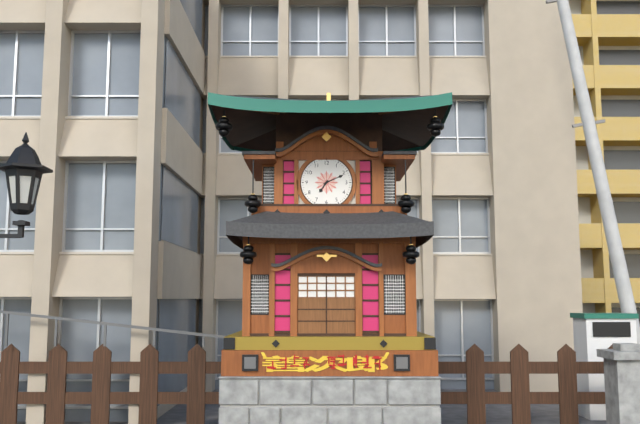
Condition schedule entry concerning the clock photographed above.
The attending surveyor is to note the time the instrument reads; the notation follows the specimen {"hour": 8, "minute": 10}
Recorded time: {"hour": 7, "minute": 11}
